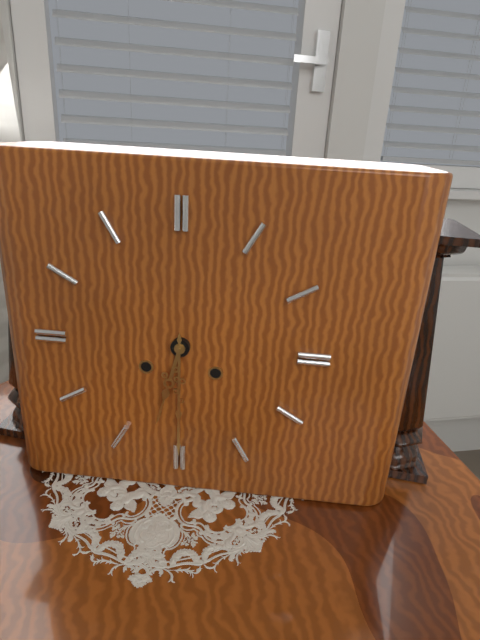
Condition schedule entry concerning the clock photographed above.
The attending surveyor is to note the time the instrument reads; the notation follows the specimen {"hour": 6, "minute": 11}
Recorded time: {"hour": 6, "minute": 30}
